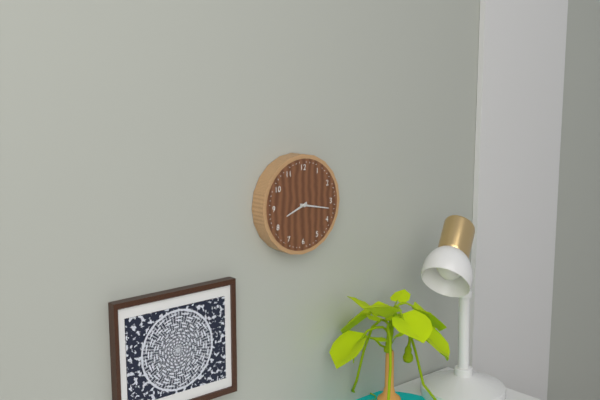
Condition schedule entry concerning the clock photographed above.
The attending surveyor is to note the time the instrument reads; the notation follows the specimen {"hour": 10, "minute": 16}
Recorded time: {"hour": 8, "minute": 17}
